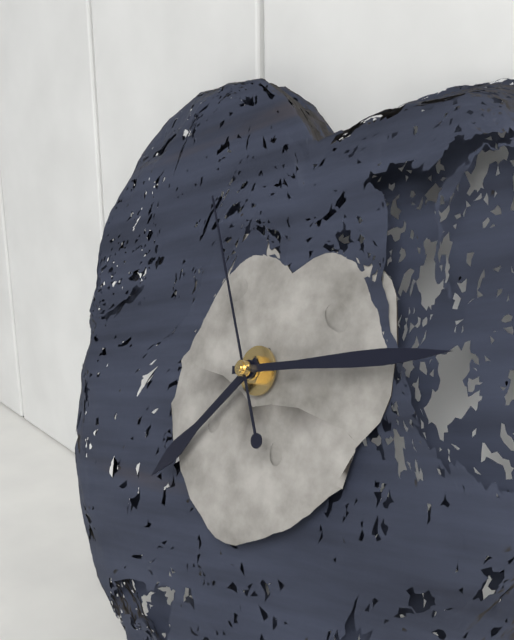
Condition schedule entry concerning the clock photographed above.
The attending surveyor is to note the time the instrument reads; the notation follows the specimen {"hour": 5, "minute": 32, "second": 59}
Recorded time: {"hour": 7, "minute": 12, "second": 54}
